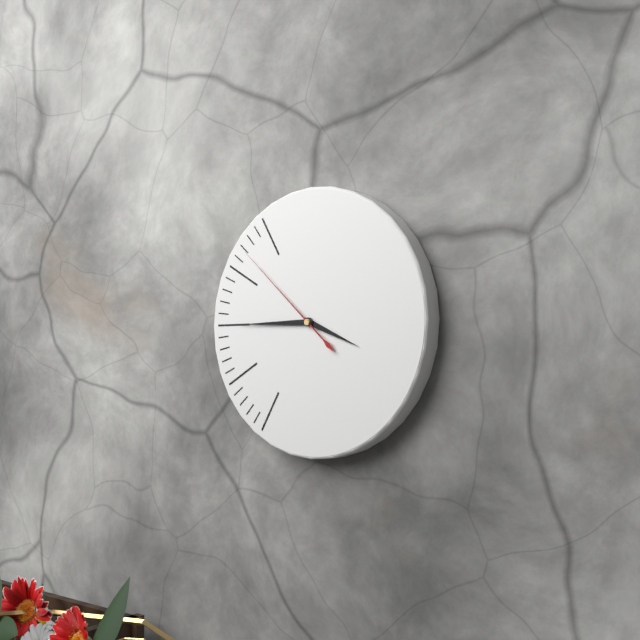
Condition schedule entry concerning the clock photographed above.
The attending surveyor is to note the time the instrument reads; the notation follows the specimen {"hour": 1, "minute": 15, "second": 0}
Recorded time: {"hour": 3, "minute": 45, "second": 52}
